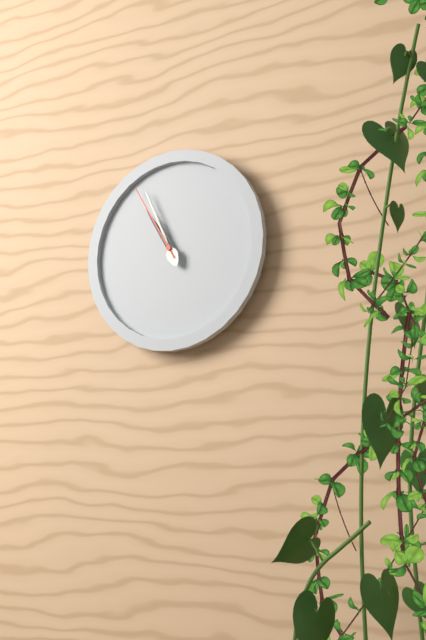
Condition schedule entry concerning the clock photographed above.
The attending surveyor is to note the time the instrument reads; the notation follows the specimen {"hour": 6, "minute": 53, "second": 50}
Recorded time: {"hour": 10, "minute": 56, "second": 55}
